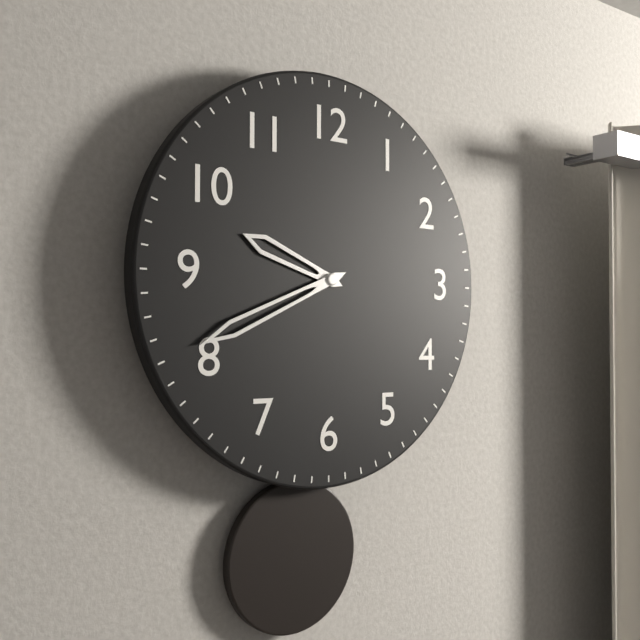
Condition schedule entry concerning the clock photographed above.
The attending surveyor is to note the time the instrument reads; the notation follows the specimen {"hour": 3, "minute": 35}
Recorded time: {"hour": 9, "minute": 41}
